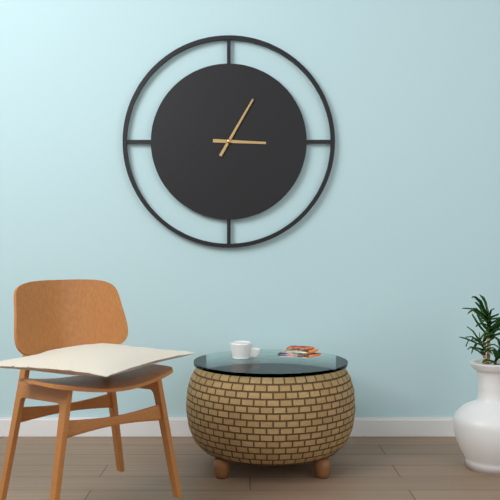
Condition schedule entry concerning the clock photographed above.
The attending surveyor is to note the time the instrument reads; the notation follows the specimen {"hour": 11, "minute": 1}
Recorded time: {"hour": 3, "minute": 5}
